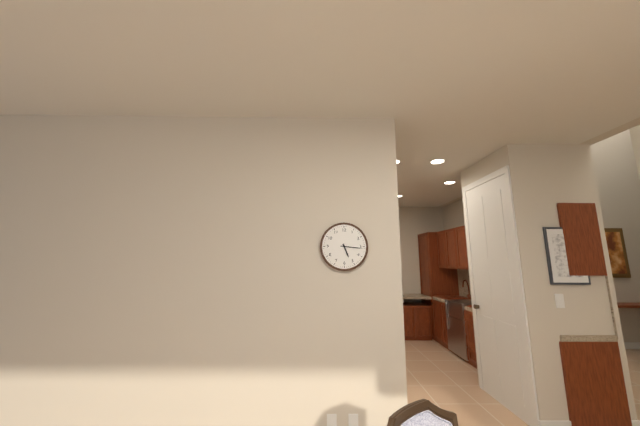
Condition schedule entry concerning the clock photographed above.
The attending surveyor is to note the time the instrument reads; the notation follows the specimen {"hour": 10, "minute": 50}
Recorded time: {"hour": 5, "minute": 16}
